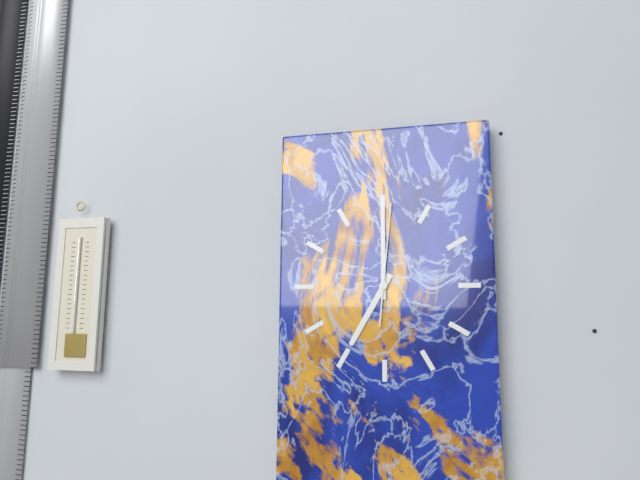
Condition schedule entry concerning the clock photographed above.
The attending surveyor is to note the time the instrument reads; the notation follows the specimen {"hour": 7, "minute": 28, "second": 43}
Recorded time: {"hour": 7, "minute": 0, "second": 1}
